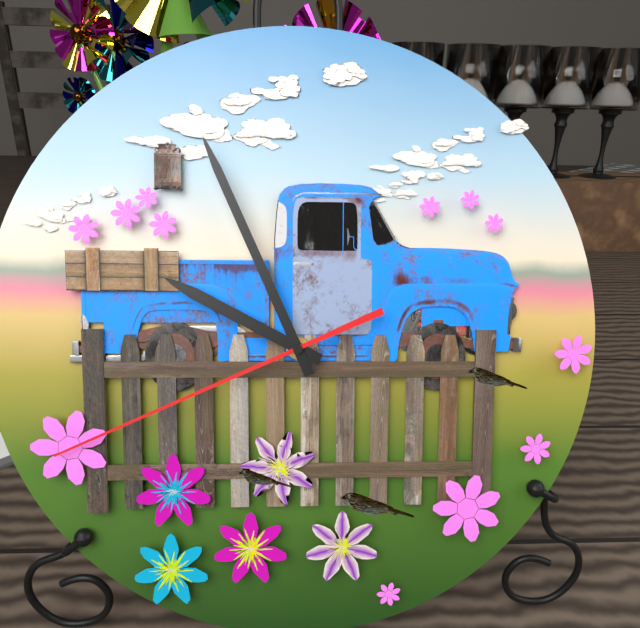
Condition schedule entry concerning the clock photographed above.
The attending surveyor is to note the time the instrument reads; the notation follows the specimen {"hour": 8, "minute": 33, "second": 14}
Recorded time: {"hour": 9, "minute": 56, "second": 41}
